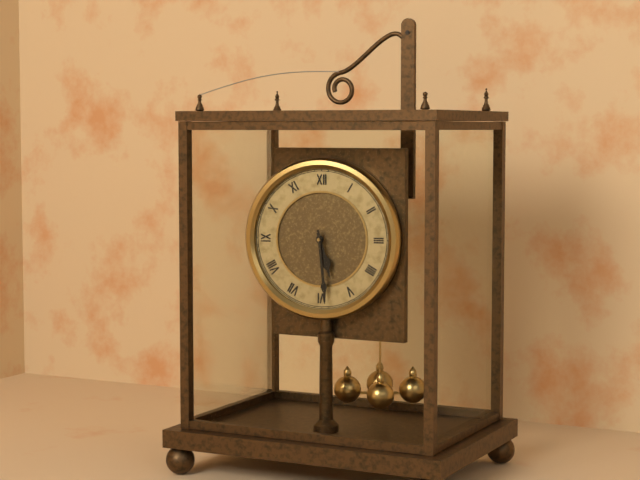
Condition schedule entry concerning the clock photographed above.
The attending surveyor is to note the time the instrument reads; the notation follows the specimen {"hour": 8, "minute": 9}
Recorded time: {"hour": 5, "minute": 29}
